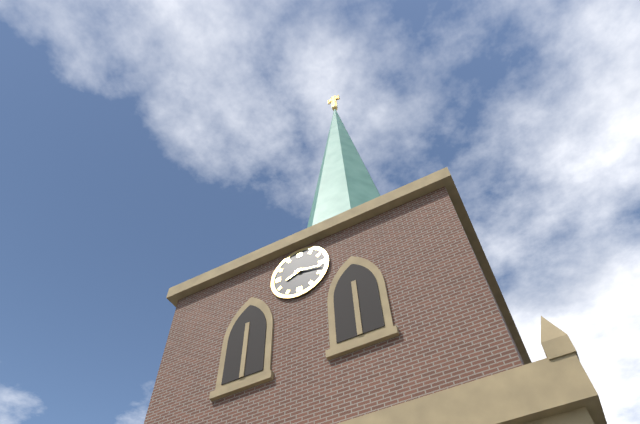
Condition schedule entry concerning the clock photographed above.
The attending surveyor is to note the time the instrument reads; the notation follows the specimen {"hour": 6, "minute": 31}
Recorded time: {"hour": 8, "minute": 17}
